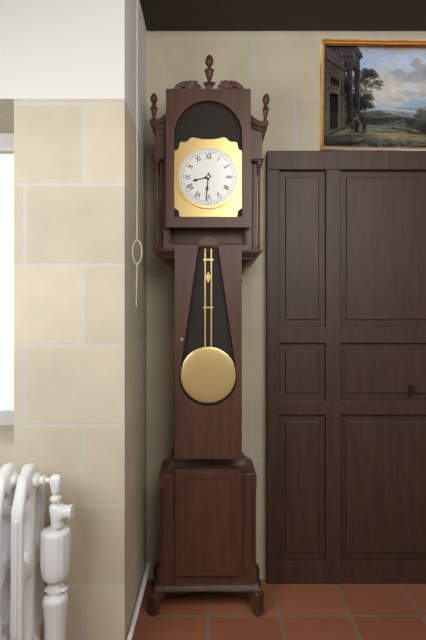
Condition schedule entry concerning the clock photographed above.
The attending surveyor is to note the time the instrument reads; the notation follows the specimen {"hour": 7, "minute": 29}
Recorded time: {"hour": 8, "minute": 31}
